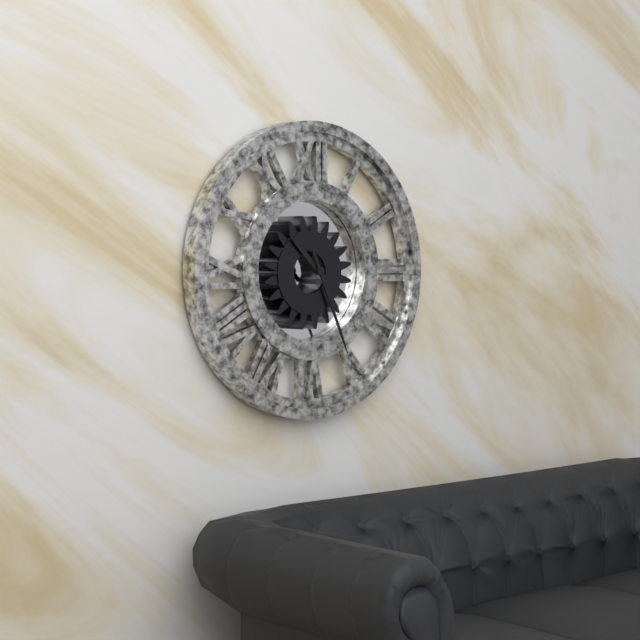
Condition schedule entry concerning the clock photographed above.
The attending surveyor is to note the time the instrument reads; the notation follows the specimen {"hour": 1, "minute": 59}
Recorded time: {"hour": 10, "minute": 26}
